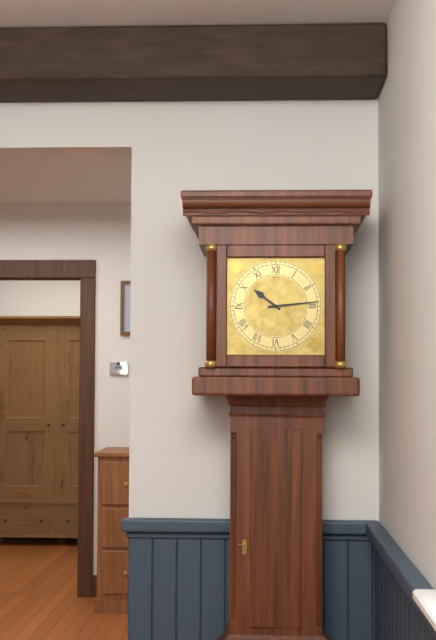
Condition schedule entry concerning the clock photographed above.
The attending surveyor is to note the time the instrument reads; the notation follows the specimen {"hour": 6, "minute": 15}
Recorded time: {"hour": 10, "minute": 14}
